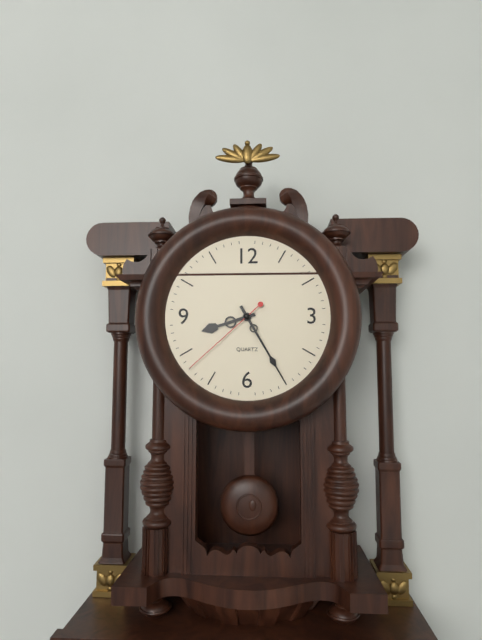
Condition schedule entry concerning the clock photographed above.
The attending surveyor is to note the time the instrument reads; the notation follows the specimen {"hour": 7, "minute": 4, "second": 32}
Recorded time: {"hour": 8, "minute": 25, "second": 38}
